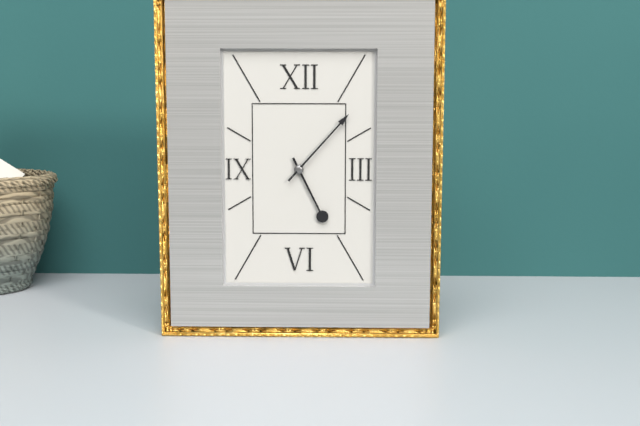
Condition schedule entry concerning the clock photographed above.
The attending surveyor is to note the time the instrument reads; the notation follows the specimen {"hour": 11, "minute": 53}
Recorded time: {"hour": 5, "minute": 7}
